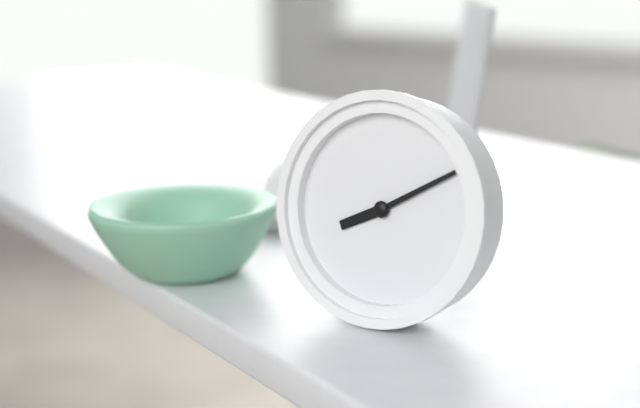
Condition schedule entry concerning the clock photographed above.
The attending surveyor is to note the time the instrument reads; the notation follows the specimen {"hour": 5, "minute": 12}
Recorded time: {"hour": 8, "minute": 10}
